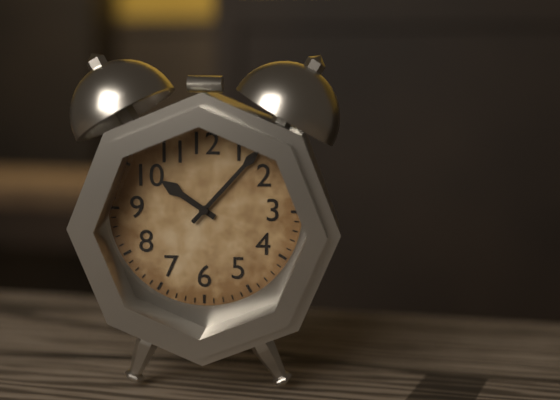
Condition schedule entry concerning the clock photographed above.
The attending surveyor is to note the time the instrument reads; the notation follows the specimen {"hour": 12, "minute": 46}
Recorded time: {"hour": 10, "minute": 7}
